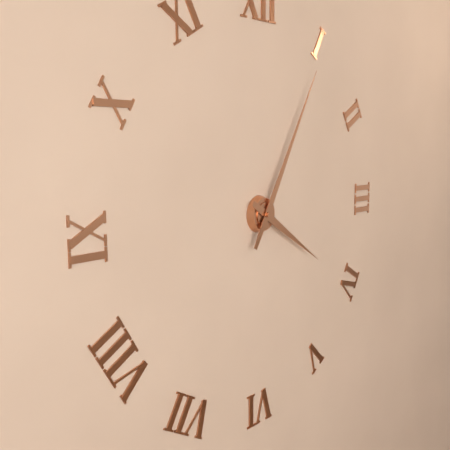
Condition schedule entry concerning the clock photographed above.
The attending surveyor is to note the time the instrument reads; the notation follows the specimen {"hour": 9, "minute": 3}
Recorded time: {"hour": 4, "minute": 5}
